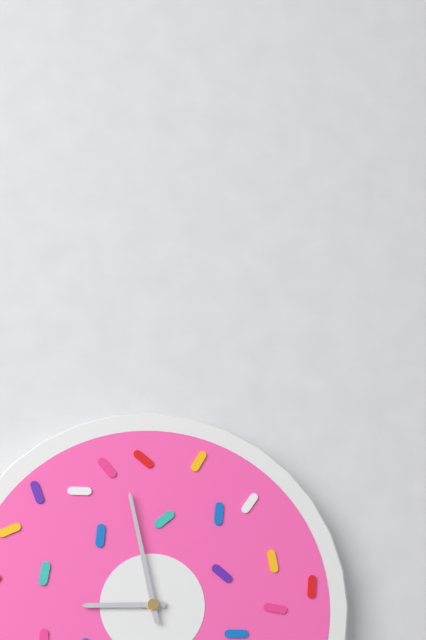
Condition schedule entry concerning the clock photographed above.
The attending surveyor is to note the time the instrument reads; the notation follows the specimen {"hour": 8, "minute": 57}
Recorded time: {"hour": 8, "minute": 58}
